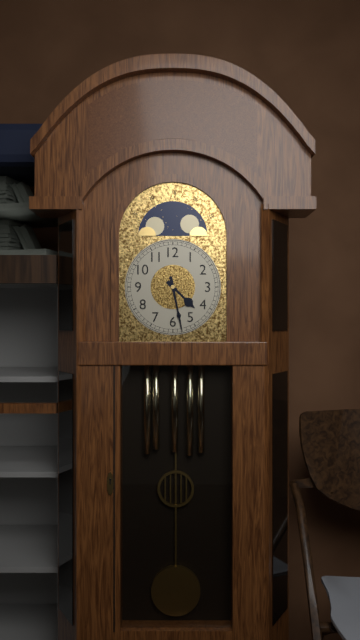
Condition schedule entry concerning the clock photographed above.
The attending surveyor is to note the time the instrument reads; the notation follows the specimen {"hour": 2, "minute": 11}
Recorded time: {"hour": 4, "minute": 28}
